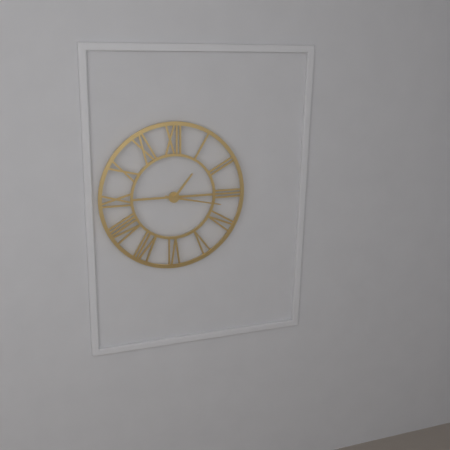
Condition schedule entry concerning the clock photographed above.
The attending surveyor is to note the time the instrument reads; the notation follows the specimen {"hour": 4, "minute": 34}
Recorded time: {"hour": 1, "minute": 17}
